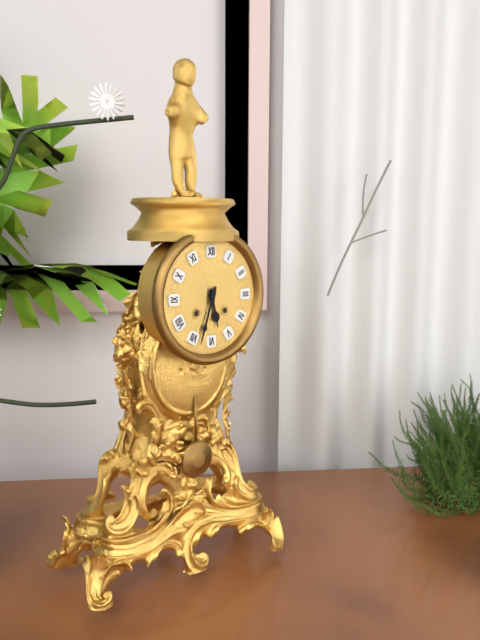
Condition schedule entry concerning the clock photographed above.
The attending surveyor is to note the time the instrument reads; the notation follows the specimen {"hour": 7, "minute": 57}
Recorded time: {"hour": 5, "minute": 33}
